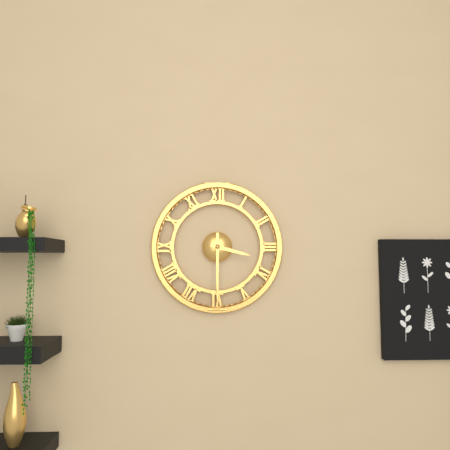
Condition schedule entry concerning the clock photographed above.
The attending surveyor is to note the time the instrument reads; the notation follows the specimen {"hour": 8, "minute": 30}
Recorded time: {"hour": 3, "minute": 30}
